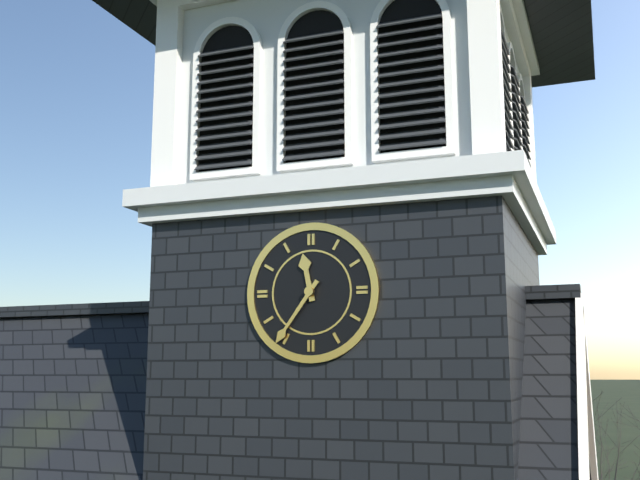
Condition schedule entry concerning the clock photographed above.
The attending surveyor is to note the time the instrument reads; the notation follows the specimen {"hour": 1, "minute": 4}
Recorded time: {"hour": 11, "minute": 36}
